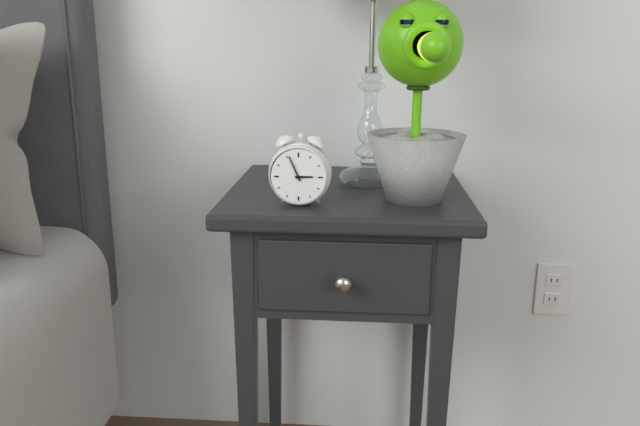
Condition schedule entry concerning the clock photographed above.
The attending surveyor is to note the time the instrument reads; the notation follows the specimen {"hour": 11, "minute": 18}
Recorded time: {"hour": 2, "minute": 56}
